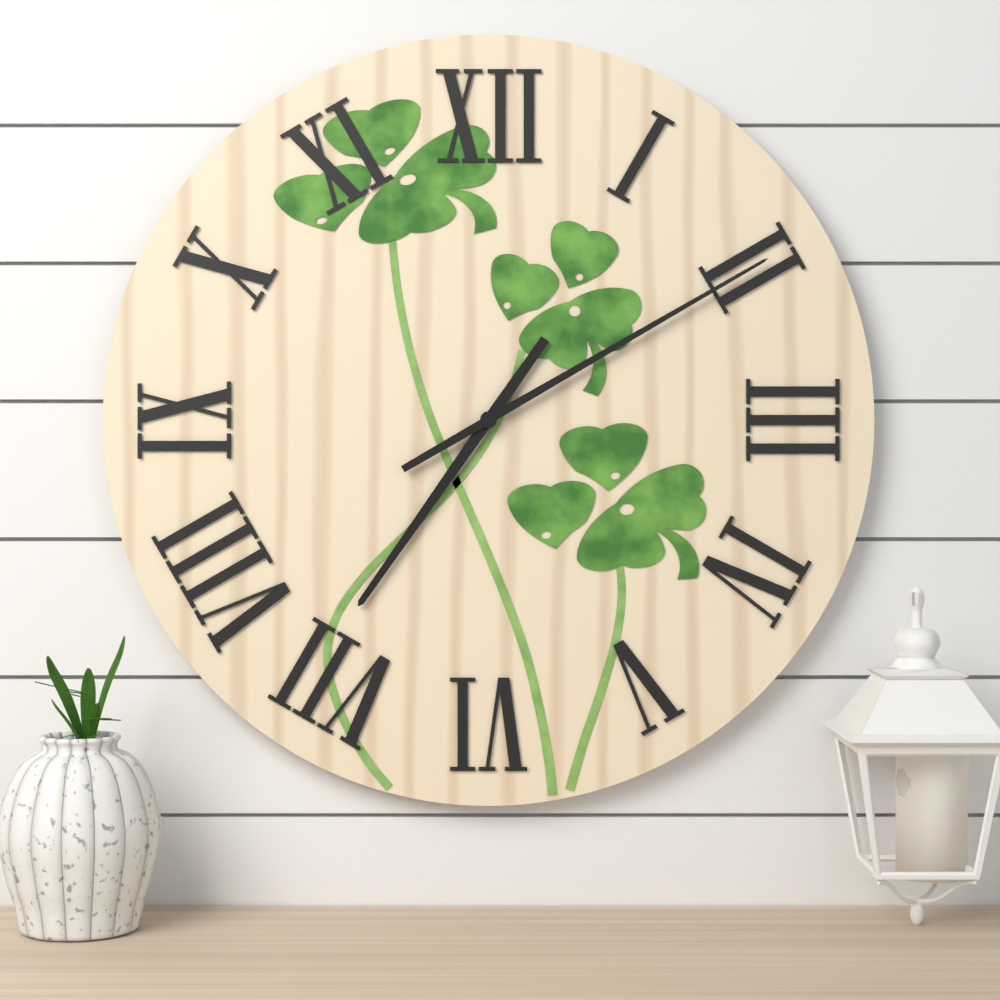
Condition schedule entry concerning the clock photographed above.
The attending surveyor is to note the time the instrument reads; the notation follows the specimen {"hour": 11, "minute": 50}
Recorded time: {"hour": 7, "minute": 10}
